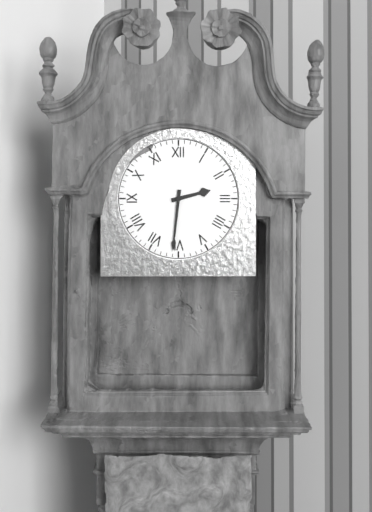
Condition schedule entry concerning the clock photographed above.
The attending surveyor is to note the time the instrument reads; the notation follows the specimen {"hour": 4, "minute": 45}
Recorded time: {"hour": 2, "minute": 31}
